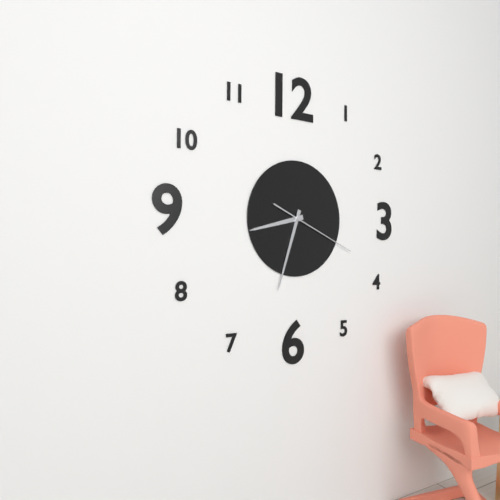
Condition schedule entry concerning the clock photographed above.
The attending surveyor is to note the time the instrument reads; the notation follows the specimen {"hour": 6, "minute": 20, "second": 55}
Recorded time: {"hour": 8, "minute": 33, "second": 19}
